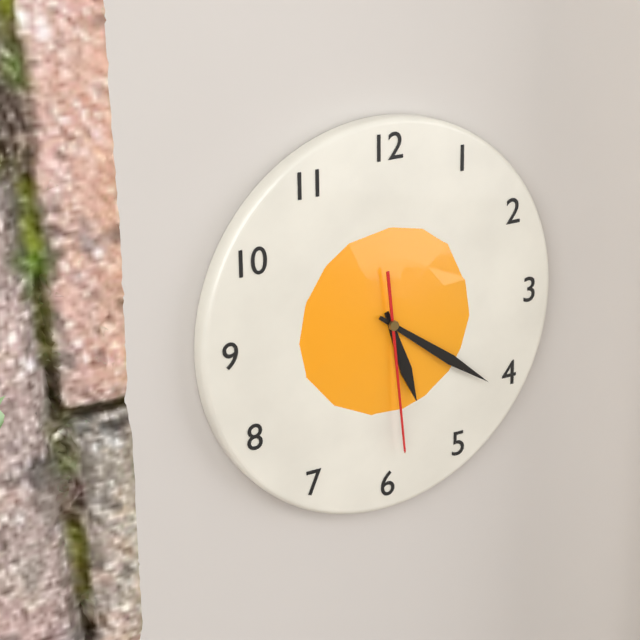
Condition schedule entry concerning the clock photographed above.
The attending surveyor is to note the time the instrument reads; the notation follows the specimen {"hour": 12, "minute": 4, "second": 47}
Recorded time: {"hour": 5, "minute": 21, "second": 29}
